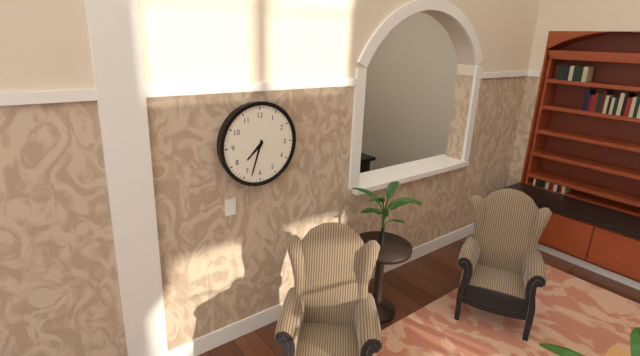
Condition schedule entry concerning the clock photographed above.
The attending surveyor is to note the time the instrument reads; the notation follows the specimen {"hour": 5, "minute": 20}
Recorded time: {"hour": 7, "minute": 33}
